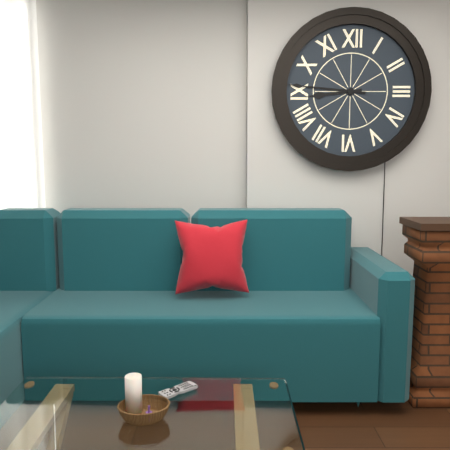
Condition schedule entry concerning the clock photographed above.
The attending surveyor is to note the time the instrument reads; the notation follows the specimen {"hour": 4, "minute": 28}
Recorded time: {"hour": 8, "minute": 46}
